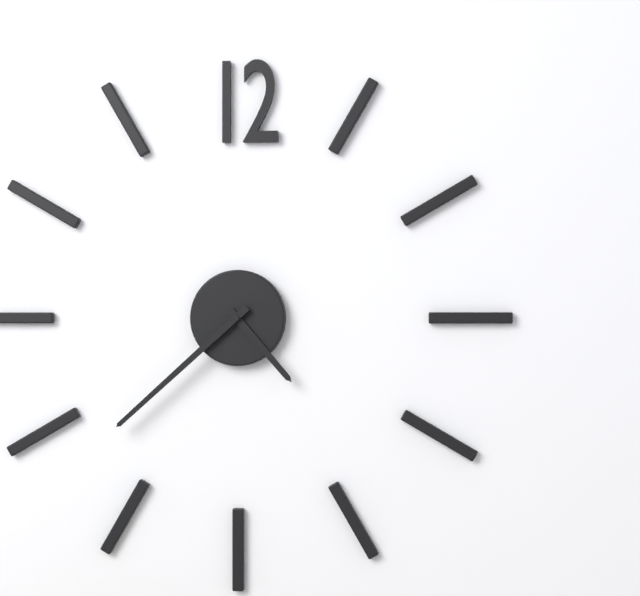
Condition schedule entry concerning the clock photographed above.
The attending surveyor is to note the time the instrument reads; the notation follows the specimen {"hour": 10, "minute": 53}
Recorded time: {"hour": 4, "minute": 38}
